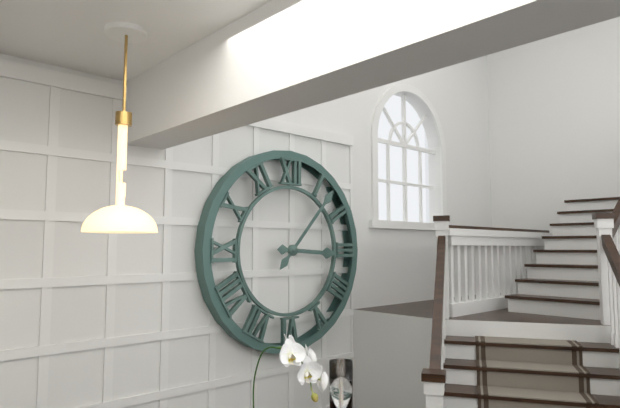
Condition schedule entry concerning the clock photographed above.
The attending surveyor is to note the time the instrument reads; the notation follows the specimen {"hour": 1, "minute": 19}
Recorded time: {"hour": 3, "minute": 7}
